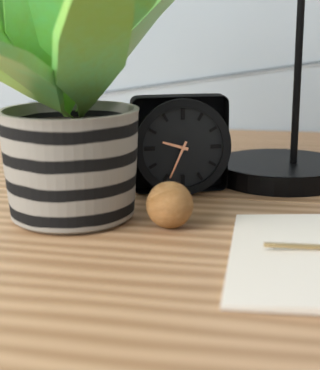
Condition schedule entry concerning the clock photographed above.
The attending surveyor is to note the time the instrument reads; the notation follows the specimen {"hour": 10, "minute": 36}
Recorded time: {"hour": 9, "minute": 34}
